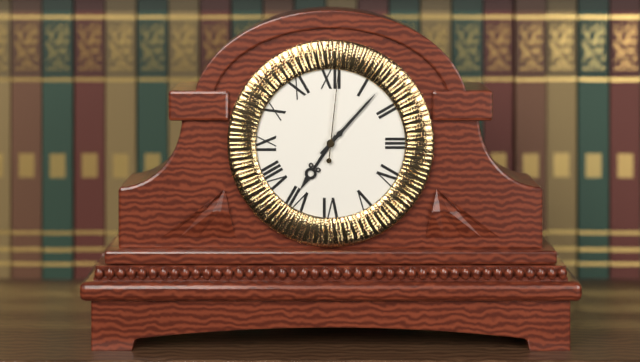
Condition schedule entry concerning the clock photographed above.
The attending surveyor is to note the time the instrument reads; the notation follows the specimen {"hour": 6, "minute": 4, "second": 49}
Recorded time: {"hour": 7, "minute": 7, "second": 1}
